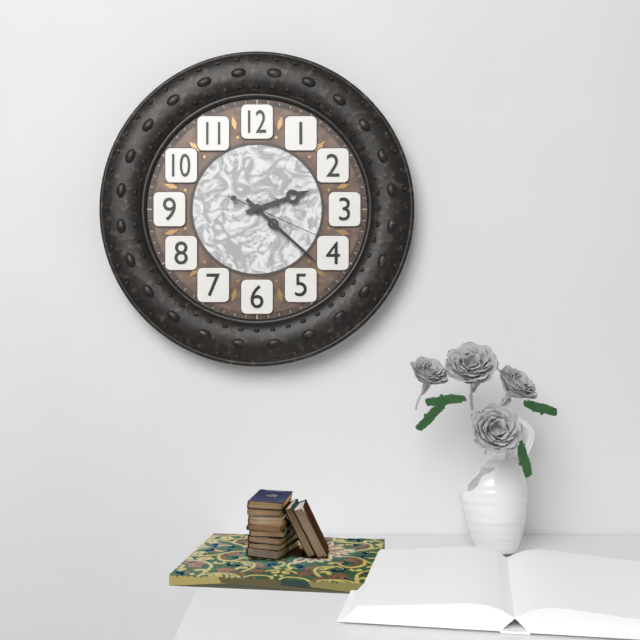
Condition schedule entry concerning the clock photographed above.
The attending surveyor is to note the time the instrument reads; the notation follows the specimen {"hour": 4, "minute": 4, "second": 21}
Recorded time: {"hour": 2, "minute": 22, "second": 19}
